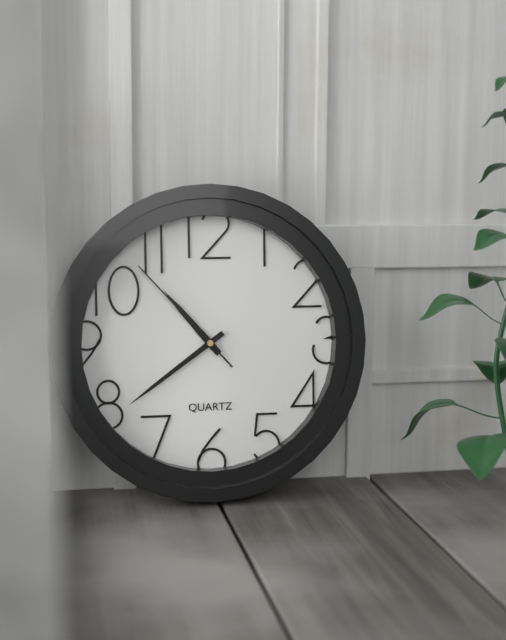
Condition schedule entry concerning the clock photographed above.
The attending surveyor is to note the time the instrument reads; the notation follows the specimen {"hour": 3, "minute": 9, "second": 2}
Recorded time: {"hour": 10, "minute": 39, "second": 53}
